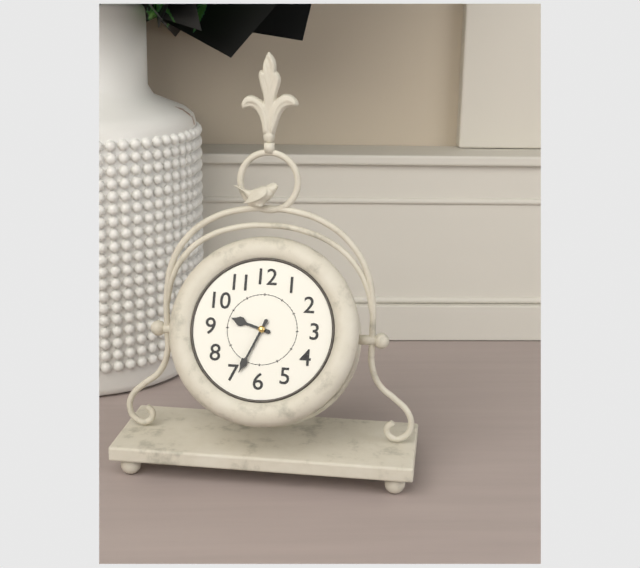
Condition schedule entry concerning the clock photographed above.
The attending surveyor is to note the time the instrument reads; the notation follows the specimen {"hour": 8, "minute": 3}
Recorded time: {"hour": 9, "minute": 34}
